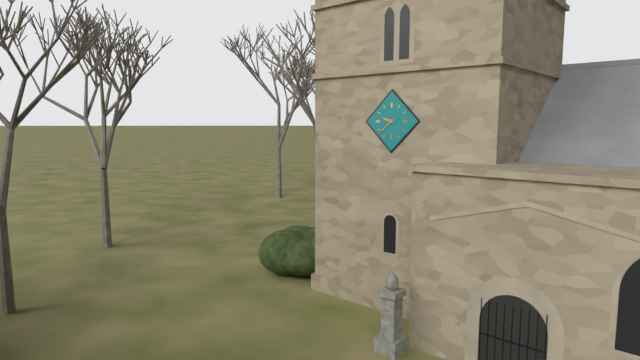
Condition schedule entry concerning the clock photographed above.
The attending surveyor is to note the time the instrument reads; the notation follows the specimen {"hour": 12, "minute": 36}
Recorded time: {"hour": 9, "minute": 38}
